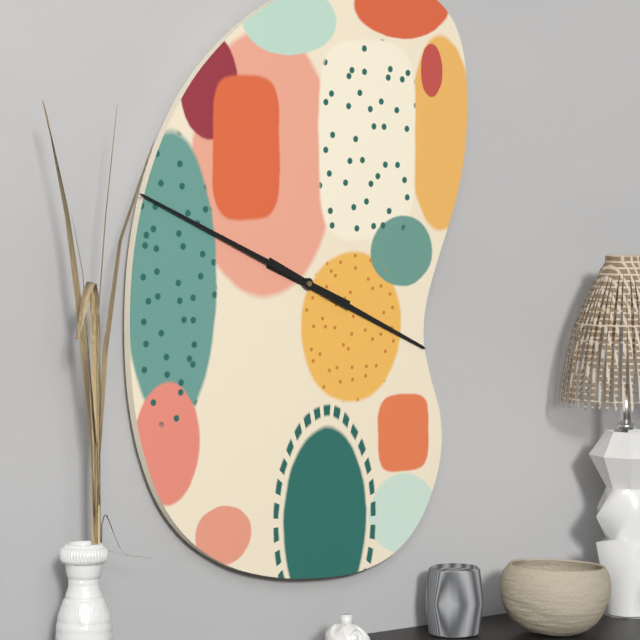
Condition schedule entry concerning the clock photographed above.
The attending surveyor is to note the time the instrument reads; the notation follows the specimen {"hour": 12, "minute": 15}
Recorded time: {"hour": 3, "minute": 49}
